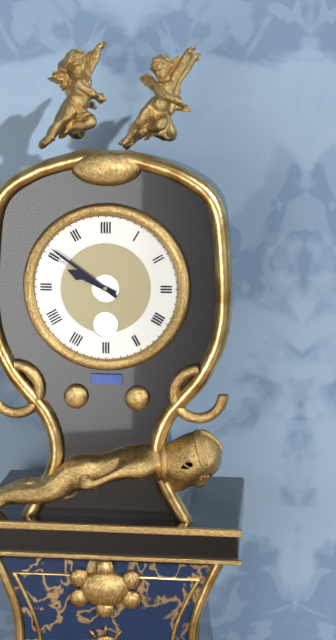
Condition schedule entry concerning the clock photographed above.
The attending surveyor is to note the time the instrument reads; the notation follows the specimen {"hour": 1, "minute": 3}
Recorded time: {"hour": 9, "minute": 51}
